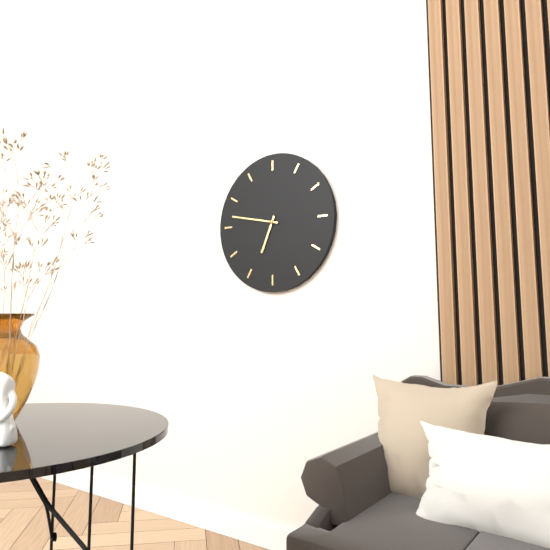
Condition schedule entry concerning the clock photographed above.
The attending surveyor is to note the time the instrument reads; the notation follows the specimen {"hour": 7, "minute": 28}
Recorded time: {"hour": 6, "minute": 47}
